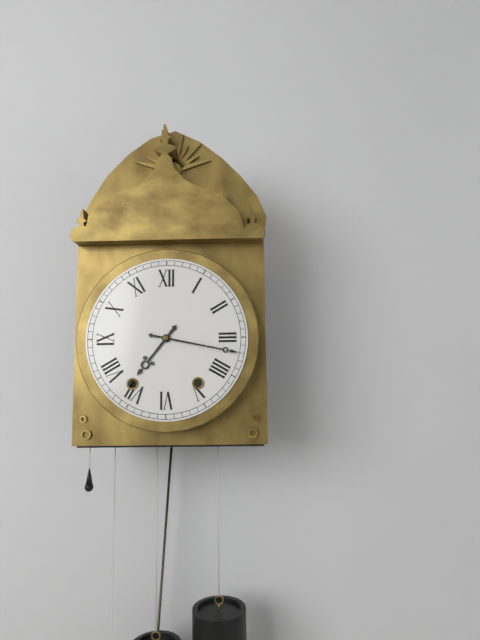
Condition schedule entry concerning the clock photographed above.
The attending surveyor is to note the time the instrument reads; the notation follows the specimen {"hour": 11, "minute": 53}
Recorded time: {"hour": 7, "minute": 17}
